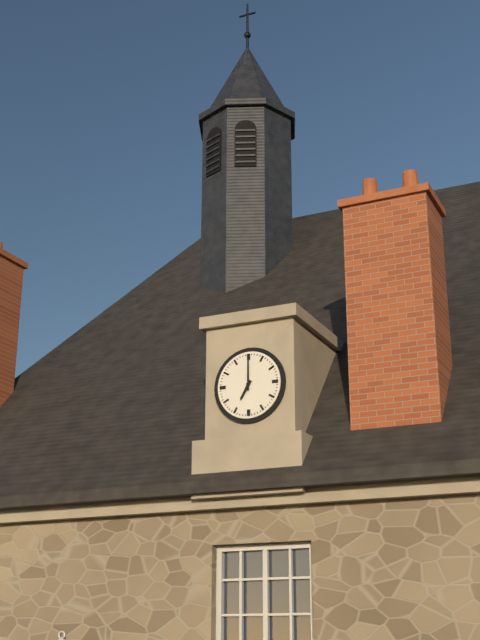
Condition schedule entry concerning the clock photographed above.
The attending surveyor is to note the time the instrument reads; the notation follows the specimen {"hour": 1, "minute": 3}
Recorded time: {"hour": 7, "minute": 0}
